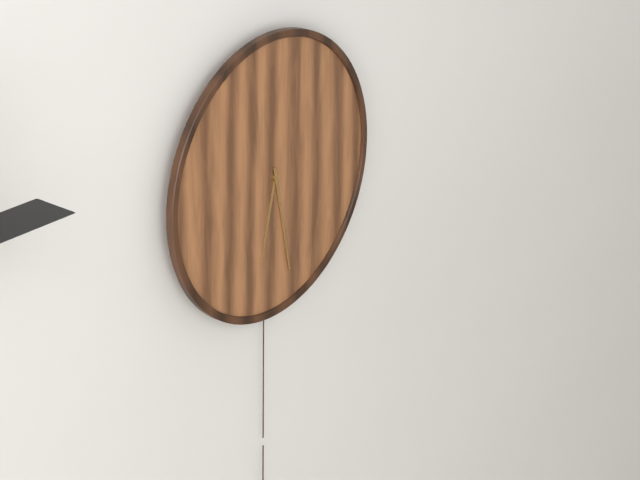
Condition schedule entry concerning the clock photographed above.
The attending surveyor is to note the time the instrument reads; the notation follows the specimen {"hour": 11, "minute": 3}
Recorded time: {"hour": 6, "minute": 28}
